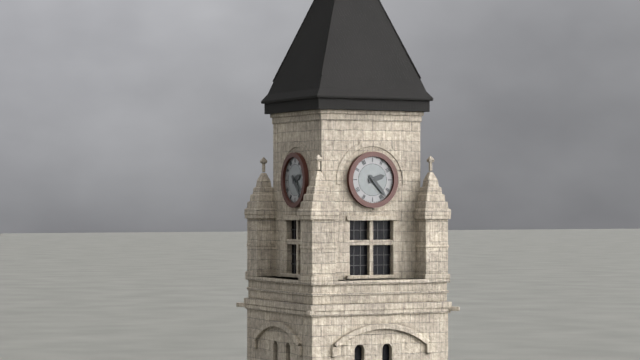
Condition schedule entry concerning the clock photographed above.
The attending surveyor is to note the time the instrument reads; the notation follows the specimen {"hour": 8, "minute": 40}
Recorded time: {"hour": 2, "minute": 23}
